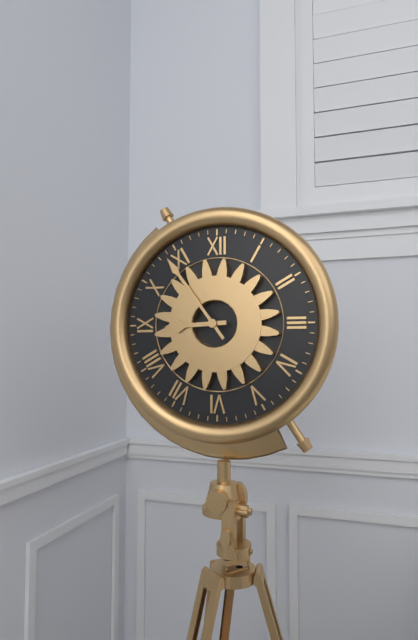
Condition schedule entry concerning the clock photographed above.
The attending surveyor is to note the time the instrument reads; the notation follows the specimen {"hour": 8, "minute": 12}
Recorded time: {"hour": 8, "minute": 54}
